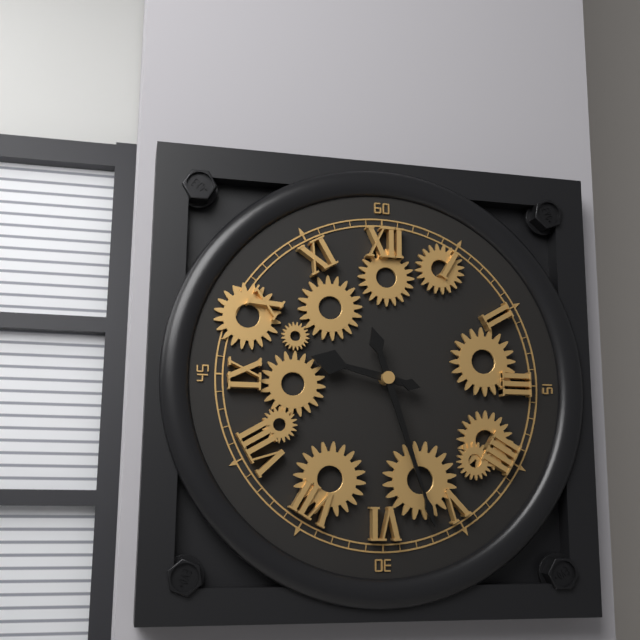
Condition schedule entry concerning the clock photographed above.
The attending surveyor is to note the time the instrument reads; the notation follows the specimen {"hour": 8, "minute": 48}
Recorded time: {"hour": 9, "minute": 27}
